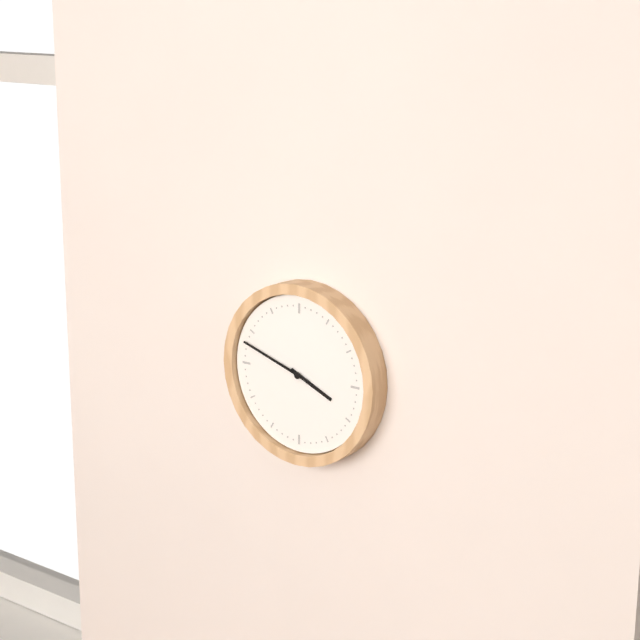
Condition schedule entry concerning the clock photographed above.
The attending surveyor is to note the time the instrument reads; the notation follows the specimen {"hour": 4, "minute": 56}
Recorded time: {"hour": 3, "minute": 48}
